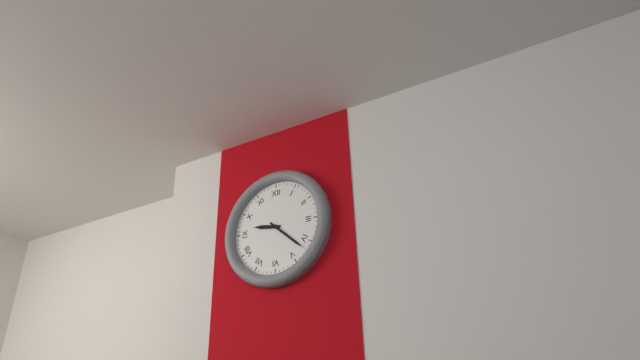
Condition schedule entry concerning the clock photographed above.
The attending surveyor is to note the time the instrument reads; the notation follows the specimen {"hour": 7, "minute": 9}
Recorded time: {"hour": 9, "minute": 22}
